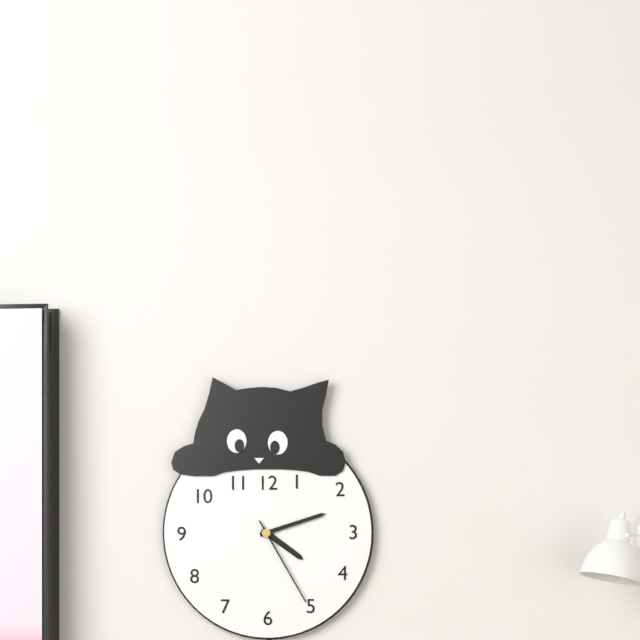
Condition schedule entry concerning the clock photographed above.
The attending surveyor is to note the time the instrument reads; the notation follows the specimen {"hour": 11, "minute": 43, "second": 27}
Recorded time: {"hour": 4, "minute": 12, "second": 25}
